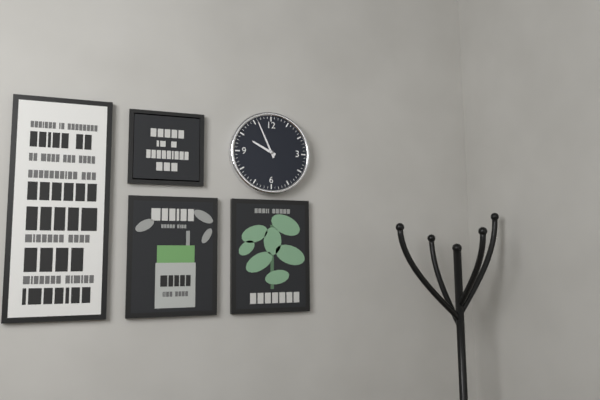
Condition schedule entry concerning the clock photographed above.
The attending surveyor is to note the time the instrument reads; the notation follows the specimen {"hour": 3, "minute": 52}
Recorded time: {"hour": 9, "minute": 56}
